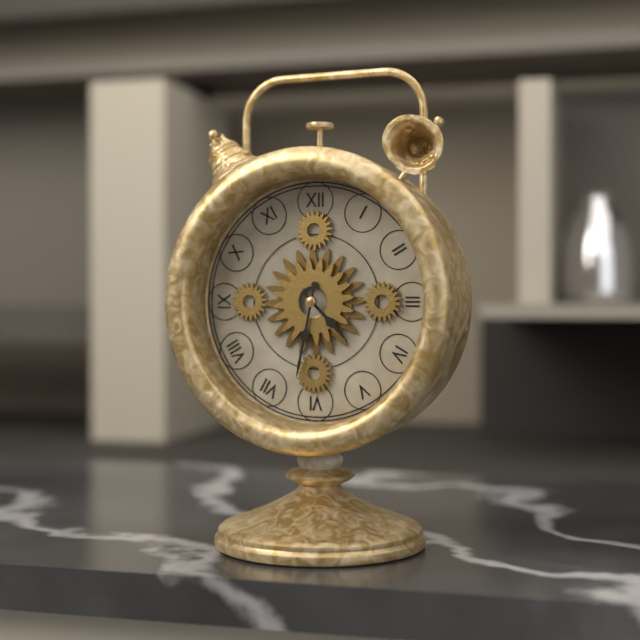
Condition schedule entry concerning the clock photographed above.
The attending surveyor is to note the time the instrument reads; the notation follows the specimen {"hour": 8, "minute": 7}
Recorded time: {"hour": 4, "minute": 32}
